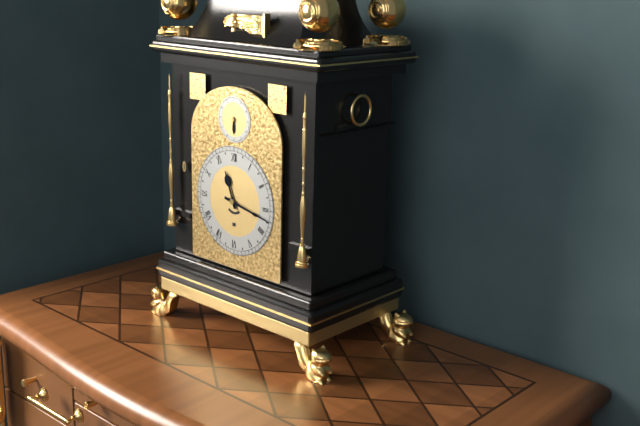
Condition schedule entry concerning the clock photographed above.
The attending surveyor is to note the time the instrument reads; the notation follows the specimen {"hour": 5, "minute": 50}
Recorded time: {"hour": 11, "minute": 17}
